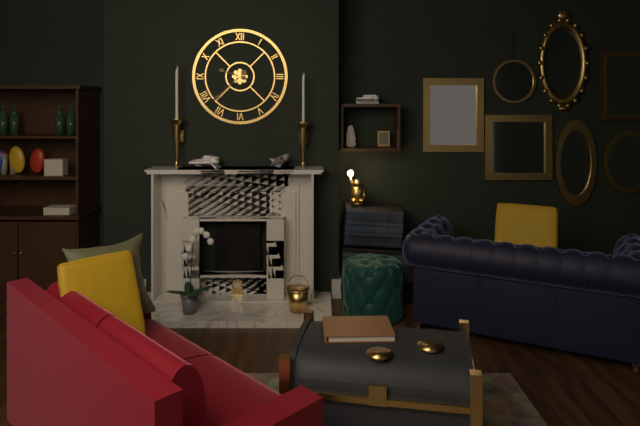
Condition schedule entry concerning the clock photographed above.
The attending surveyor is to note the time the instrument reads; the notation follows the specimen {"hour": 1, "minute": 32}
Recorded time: {"hour": 9, "minute": 38}
